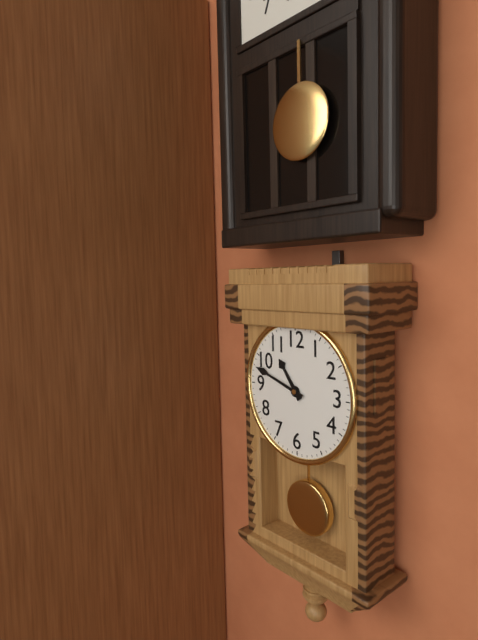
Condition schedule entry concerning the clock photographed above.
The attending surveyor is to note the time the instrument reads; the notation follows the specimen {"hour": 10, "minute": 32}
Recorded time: {"hour": 10, "minute": 48}
